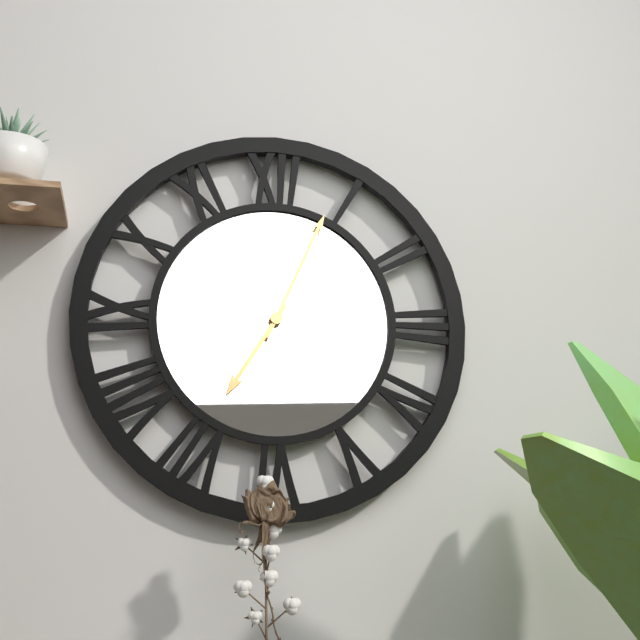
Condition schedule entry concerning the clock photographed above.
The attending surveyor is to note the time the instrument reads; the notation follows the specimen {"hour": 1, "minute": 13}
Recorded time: {"hour": 7, "minute": 4}
